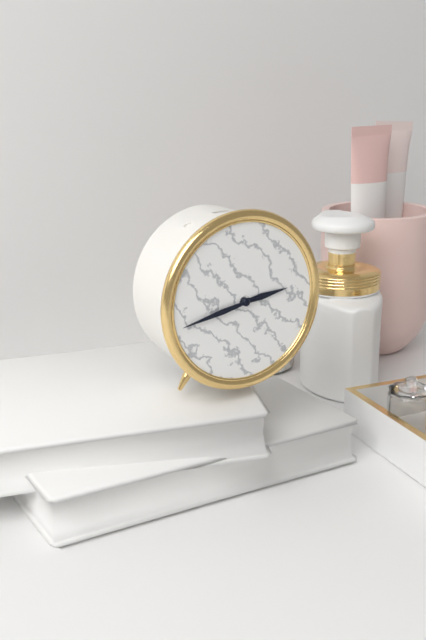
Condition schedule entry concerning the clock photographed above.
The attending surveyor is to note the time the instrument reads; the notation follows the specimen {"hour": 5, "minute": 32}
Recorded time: {"hour": 2, "minute": 43}
